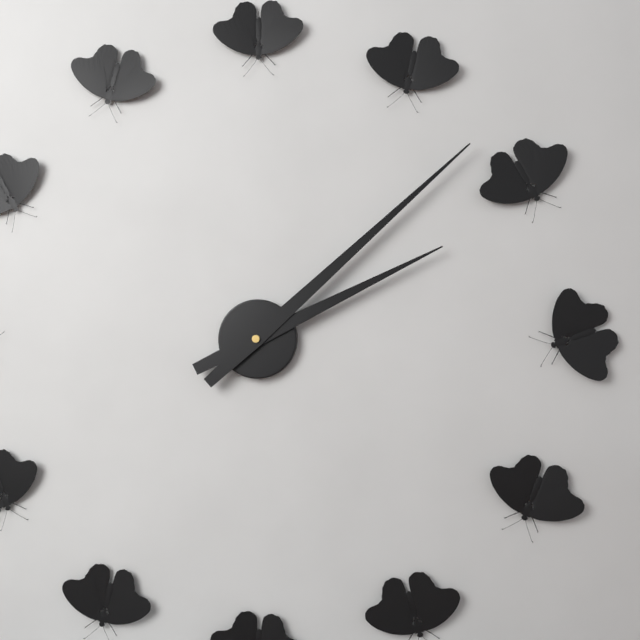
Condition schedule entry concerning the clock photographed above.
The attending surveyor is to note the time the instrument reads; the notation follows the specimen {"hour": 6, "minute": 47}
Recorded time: {"hour": 2, "minute": 8}
